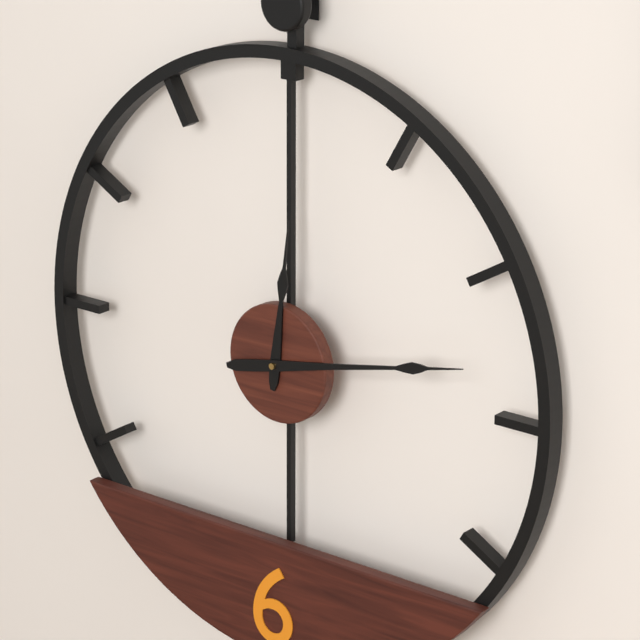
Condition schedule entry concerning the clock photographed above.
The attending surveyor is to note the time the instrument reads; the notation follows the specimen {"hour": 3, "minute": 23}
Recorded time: {"hour": 12, "minute": 13}
